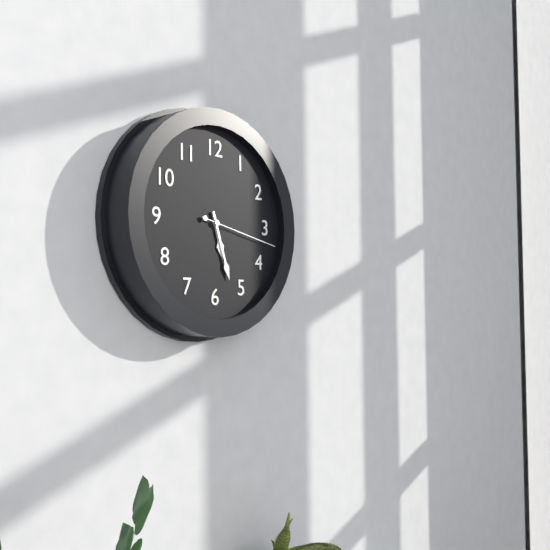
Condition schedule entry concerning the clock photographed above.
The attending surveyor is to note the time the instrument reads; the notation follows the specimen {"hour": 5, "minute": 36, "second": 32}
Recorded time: {"hour": 5, "minute": 27, "second": 17}
